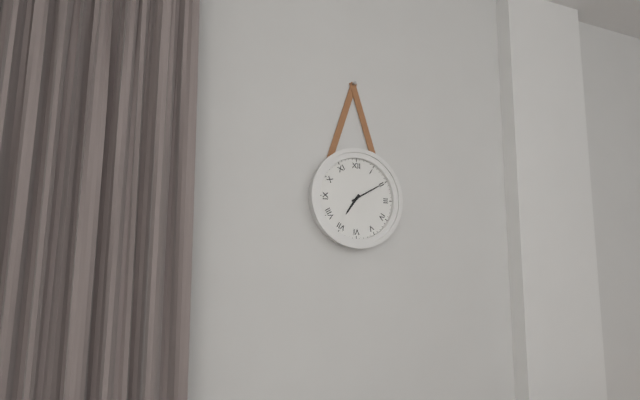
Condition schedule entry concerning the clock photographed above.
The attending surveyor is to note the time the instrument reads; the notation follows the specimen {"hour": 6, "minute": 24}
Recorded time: {"hour": 7, "minute": 10}
